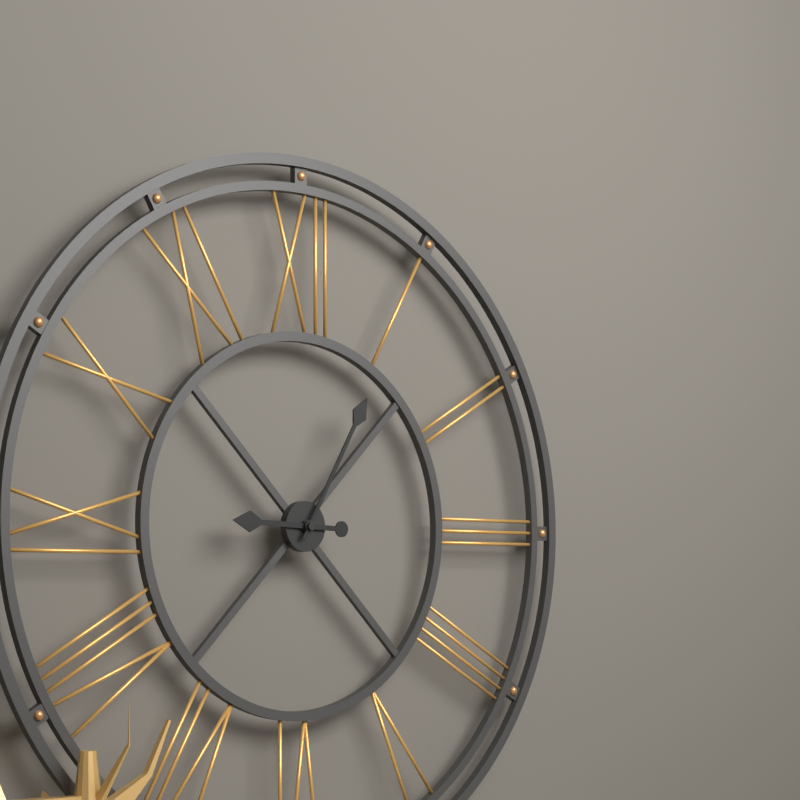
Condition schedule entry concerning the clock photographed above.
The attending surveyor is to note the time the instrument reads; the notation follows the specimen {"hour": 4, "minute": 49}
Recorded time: {"hour": 9, "minute": 5}
